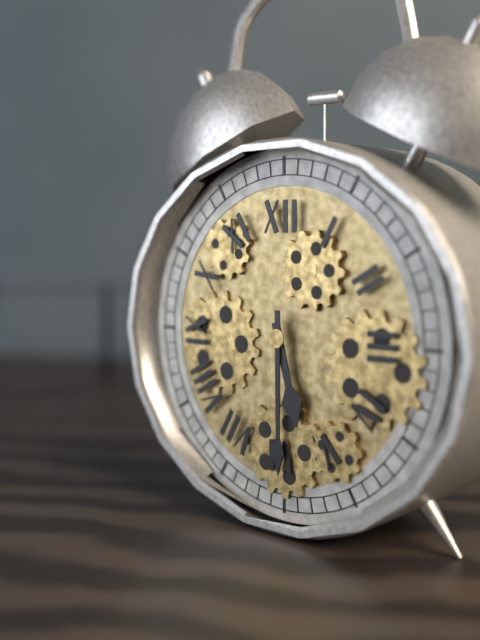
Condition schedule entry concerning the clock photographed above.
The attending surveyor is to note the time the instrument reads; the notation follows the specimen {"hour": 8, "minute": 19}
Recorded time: {"hour": 5, "minute": 30}
